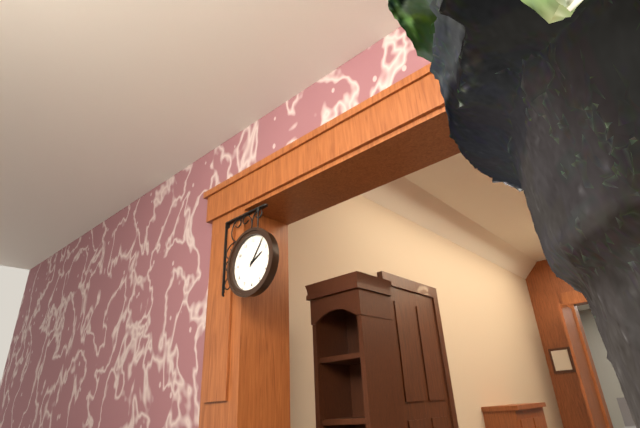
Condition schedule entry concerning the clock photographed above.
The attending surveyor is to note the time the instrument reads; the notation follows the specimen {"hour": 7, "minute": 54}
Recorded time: {"hour": 2, "minute": 6}
